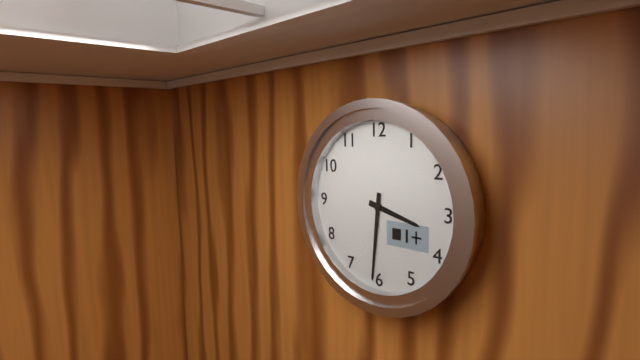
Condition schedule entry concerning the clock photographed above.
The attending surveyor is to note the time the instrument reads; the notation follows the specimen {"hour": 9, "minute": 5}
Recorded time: {"hour": 3, "minute": 31}
